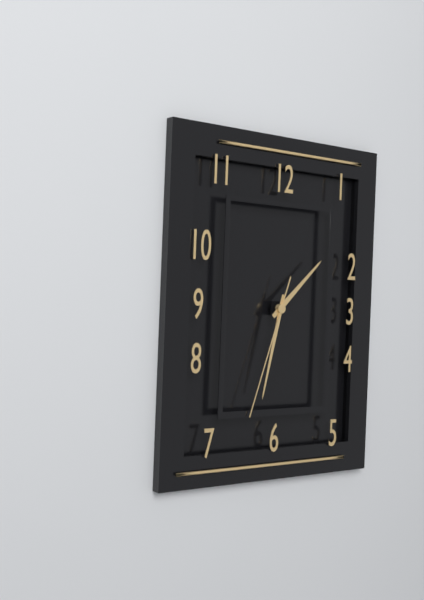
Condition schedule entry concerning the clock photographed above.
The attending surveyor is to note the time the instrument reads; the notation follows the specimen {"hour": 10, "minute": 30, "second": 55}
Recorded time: {"hour": 1, "minute": 32, "second": 33}
